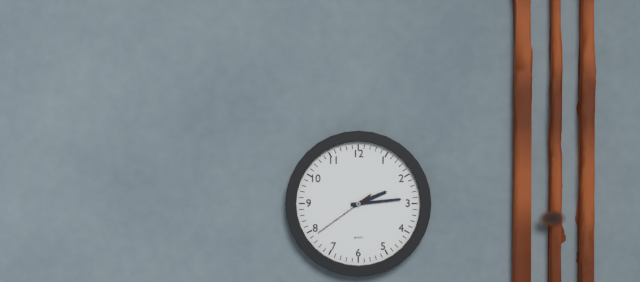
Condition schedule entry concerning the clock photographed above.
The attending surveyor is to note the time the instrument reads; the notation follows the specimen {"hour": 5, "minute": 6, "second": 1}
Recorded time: {"hour": 2, "minute": 14, "second": 39}
